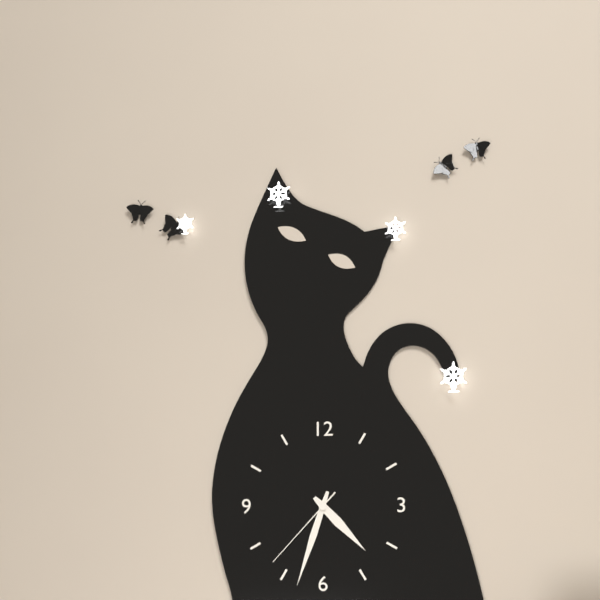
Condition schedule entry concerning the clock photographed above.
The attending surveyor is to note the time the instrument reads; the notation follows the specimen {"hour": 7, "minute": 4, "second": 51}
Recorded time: {"hour": 4, "minute": 33, "second": 37}
